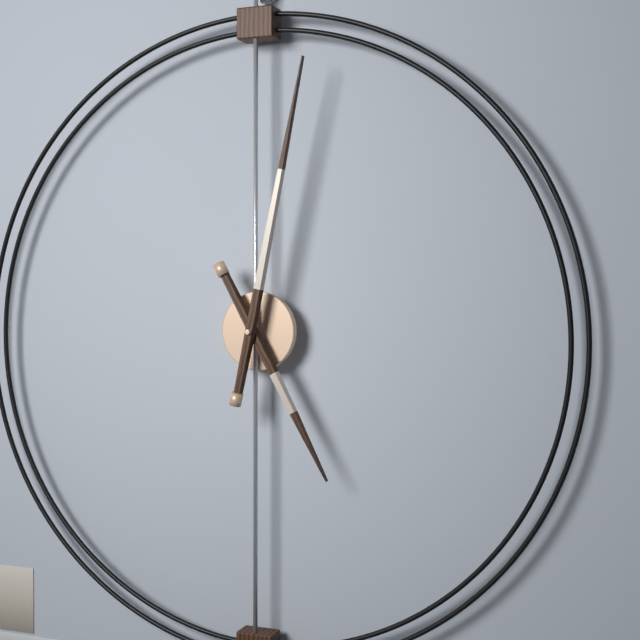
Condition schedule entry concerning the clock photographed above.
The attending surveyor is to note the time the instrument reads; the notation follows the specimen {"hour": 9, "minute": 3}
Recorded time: {"hour": 5, "minute": 2}
